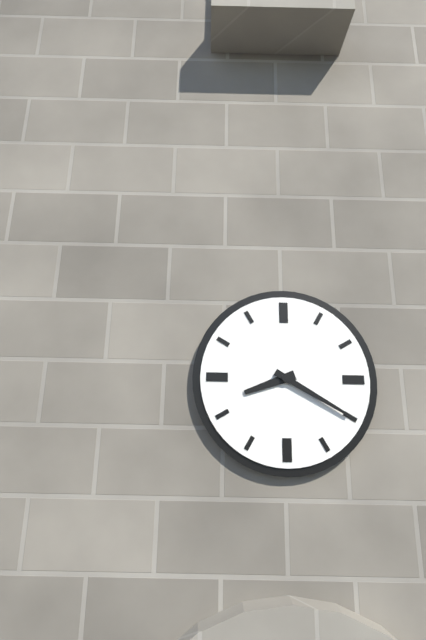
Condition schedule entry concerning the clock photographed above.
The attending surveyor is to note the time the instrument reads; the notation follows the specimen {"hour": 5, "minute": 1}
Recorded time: {"hour": 8, "minute": 20}
